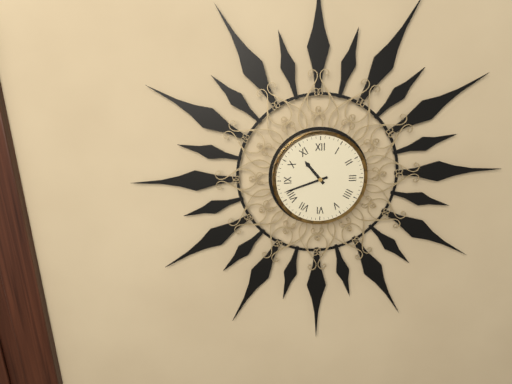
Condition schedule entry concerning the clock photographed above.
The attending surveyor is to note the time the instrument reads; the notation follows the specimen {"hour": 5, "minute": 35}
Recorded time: {"hour": 10, "minute": 42}
